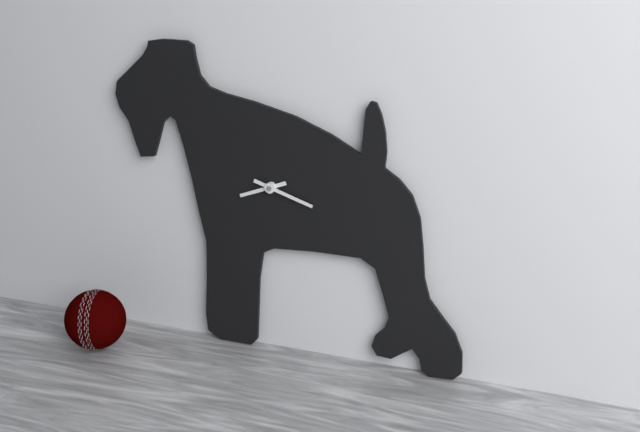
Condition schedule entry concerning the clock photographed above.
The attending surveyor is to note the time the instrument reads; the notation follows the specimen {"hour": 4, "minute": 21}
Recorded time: {"hour": 8, "minute": 18}
